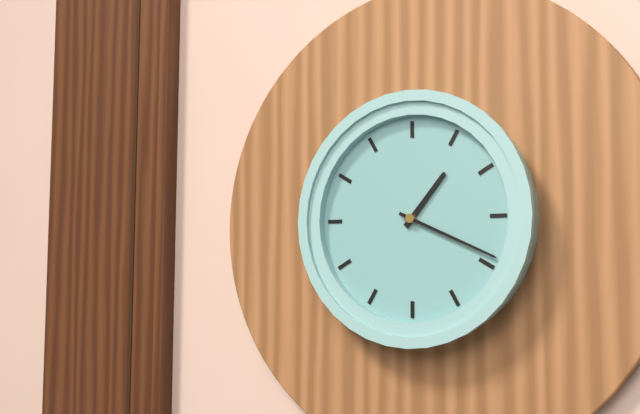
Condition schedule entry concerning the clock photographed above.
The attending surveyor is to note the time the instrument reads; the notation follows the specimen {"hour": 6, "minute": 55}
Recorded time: {"hour": 1, "minute": 19}
